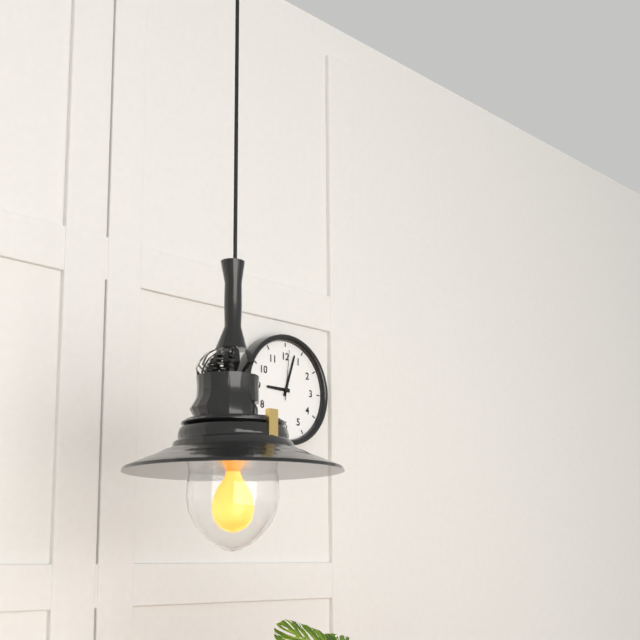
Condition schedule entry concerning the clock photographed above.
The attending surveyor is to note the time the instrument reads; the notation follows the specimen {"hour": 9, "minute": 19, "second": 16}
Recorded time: {"hour": 9, "minute": 3, "second": 1}
